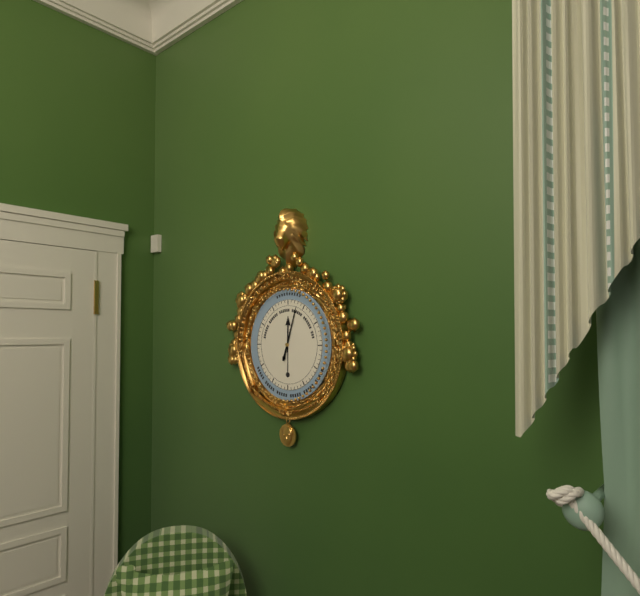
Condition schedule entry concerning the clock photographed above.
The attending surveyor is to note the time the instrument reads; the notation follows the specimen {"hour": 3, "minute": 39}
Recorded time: {"hour": 12, "minute": 3}
